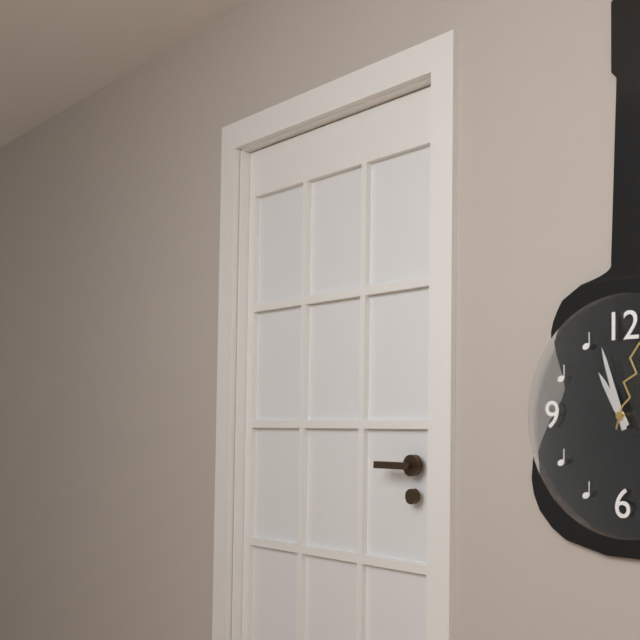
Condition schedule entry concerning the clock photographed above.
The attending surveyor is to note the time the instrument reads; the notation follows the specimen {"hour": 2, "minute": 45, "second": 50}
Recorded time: {"hour": 10, "minute": 57, "second": 3}
